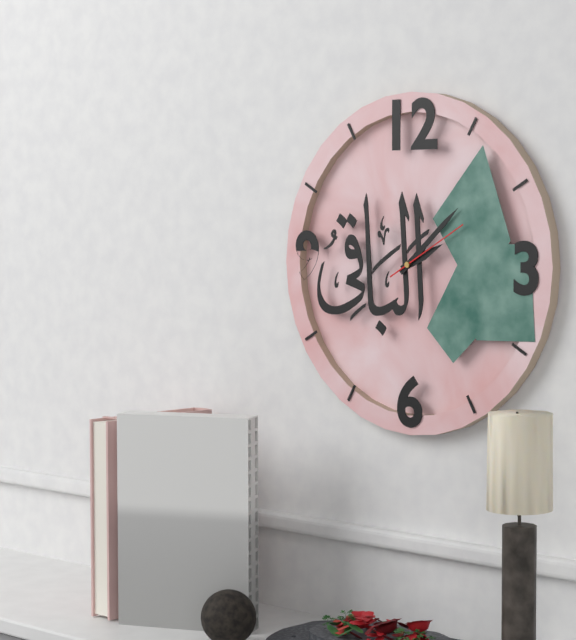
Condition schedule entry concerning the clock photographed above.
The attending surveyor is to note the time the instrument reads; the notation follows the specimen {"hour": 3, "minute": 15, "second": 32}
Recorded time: {"hour": 2, "minute": 8, "second": 10}
